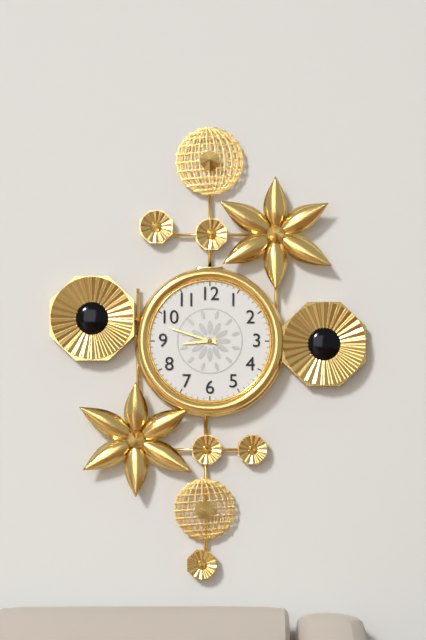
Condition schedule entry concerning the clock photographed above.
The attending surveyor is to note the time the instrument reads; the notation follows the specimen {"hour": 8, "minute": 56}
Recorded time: {"hour": 8, "minute": 48}
